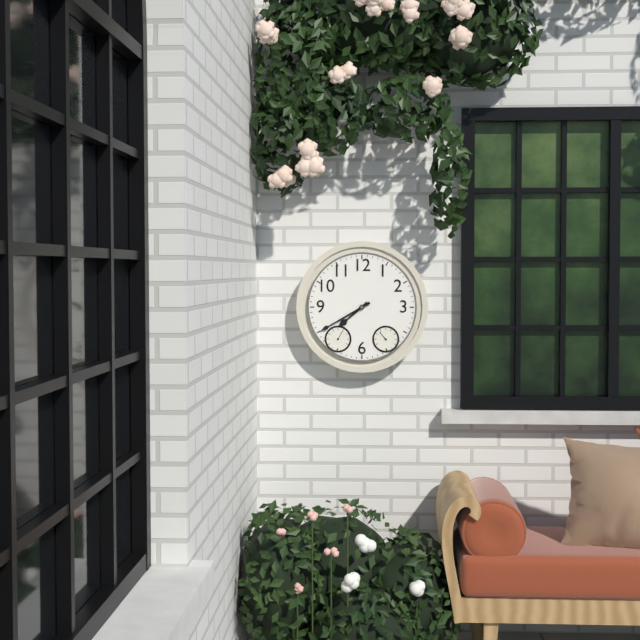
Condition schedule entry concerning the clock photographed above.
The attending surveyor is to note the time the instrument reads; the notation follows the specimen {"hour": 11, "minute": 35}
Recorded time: {"hour": 7, "minute": 40}
